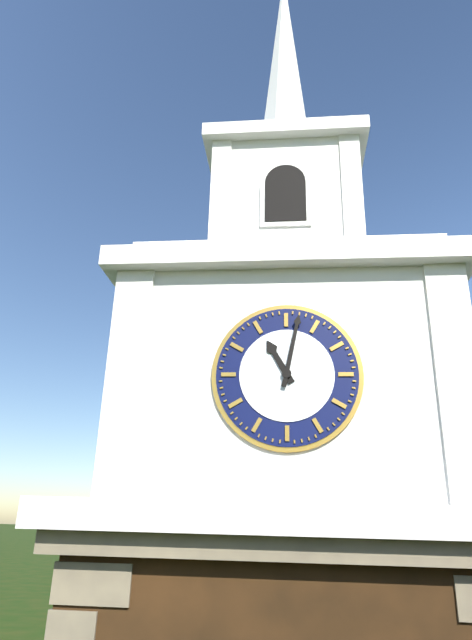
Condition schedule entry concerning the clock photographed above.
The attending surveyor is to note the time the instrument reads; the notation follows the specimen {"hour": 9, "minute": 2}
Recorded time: {"hour": 11, "minute": 2}
